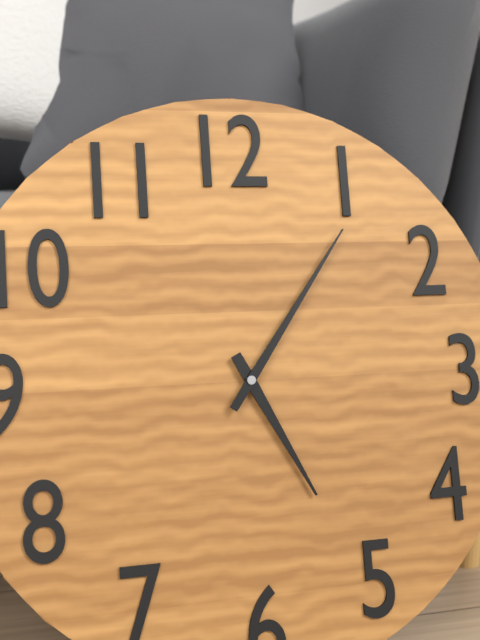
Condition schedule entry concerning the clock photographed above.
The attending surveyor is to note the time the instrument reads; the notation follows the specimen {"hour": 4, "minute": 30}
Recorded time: {"hour": 5, "minute": 6}
